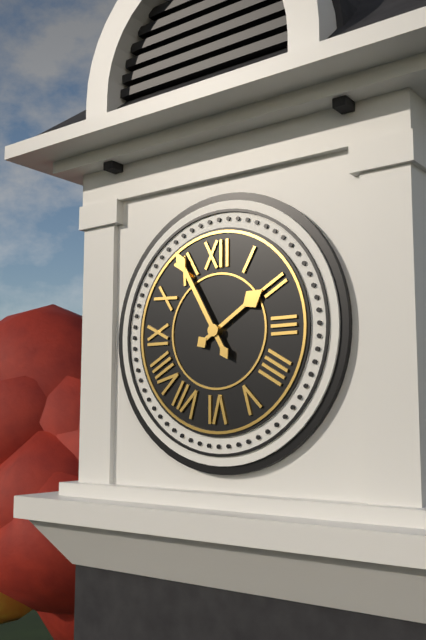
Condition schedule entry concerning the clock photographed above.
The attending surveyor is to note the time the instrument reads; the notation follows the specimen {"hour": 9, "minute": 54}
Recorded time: {"hour": 1, "minute": 55}
